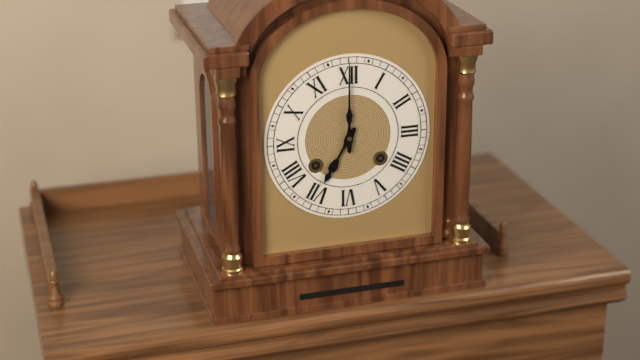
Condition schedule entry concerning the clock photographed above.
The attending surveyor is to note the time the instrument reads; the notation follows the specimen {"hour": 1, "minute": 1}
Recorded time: {"hour": 7, "minute": 0}
